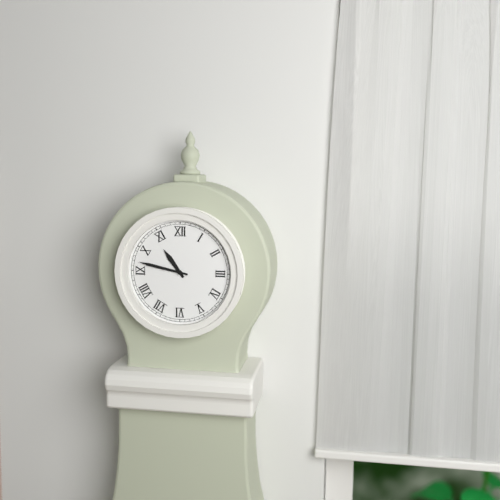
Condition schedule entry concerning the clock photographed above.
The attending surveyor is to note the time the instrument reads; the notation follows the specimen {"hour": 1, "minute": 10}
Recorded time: {"hour": 10, "minute": 47}
